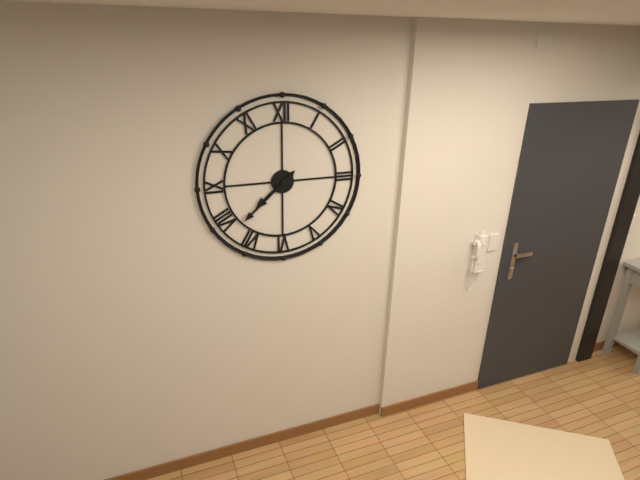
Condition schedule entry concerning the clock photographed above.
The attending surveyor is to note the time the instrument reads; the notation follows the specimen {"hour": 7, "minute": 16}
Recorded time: {"hour": 7, "minute": 38}
